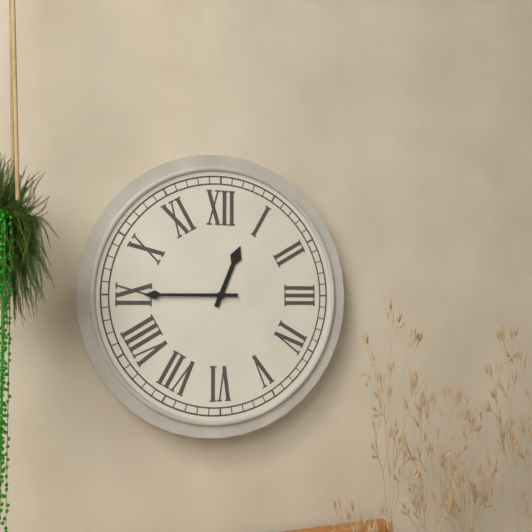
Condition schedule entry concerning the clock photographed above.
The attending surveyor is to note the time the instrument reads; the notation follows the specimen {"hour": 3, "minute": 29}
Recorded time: {"hour": 12, "minute": 45}
